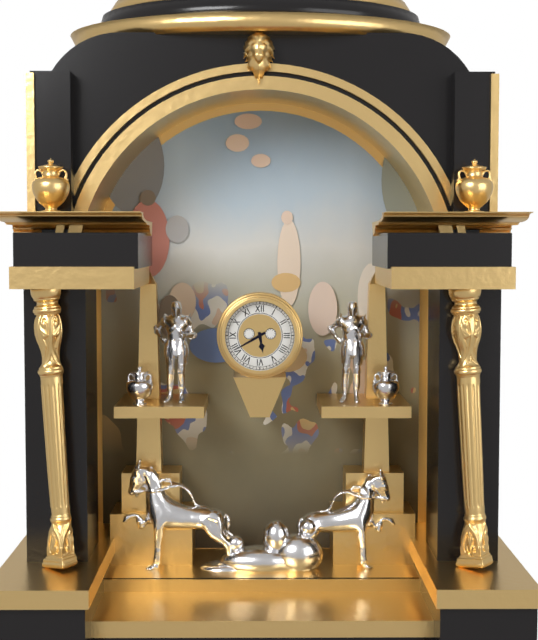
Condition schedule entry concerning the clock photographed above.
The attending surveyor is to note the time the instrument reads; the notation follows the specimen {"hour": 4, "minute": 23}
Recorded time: {"hour": 5, "minute": 40}
